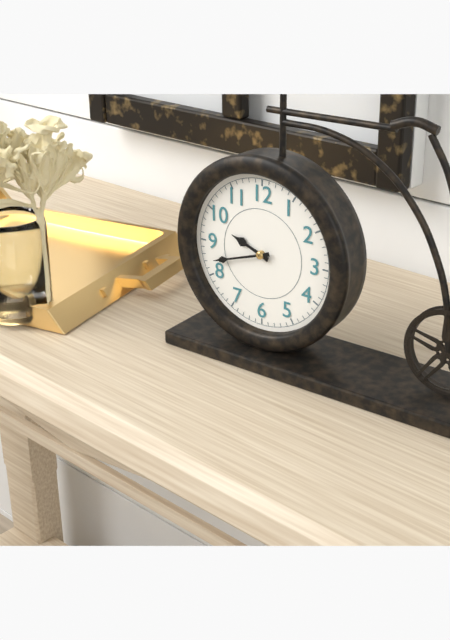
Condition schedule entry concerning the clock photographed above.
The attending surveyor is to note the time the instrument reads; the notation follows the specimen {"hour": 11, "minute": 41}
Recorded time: {"hour": 9, "minute": 42}
